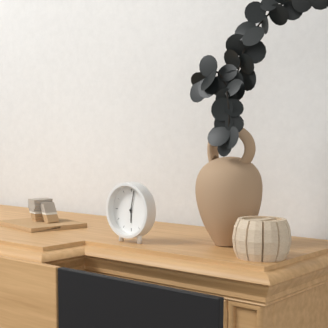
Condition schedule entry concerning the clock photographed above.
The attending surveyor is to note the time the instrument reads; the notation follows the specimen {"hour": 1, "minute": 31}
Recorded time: {"hour": 6, "minute": 2}
